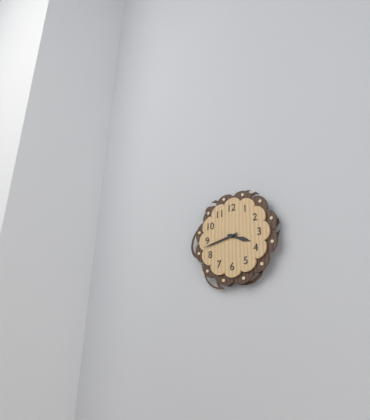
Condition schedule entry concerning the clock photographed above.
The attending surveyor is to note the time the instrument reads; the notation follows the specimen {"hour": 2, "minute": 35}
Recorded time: {"hour": 3, "minute": 43}
